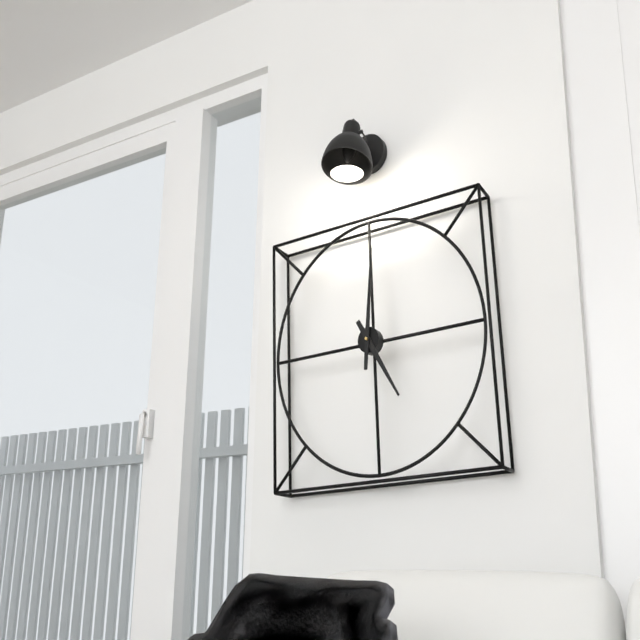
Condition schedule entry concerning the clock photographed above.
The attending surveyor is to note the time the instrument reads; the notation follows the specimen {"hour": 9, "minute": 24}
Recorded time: {"hour": 5, "minute": 1}
